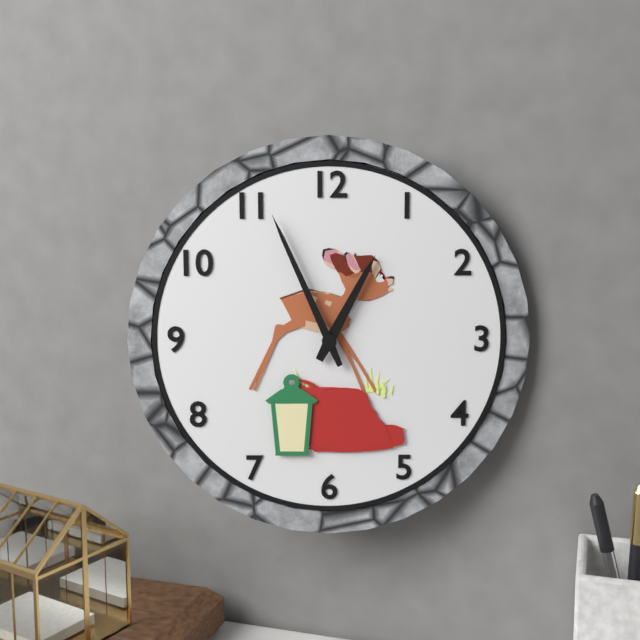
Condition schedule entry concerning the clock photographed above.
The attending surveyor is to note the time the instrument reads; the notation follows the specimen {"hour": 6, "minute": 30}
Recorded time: {"hour": 12, "minute": 56}
